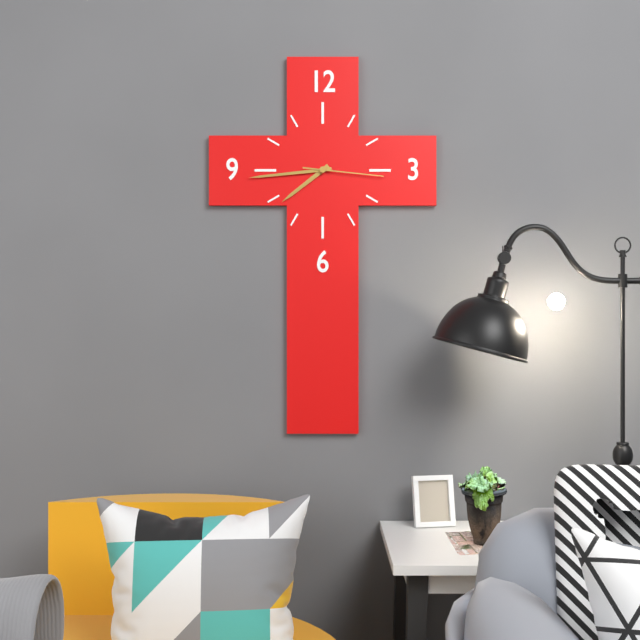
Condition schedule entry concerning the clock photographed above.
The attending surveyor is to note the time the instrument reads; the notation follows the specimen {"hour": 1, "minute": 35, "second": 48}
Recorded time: {"hour": 7, "minute": 44, "second": 16}
